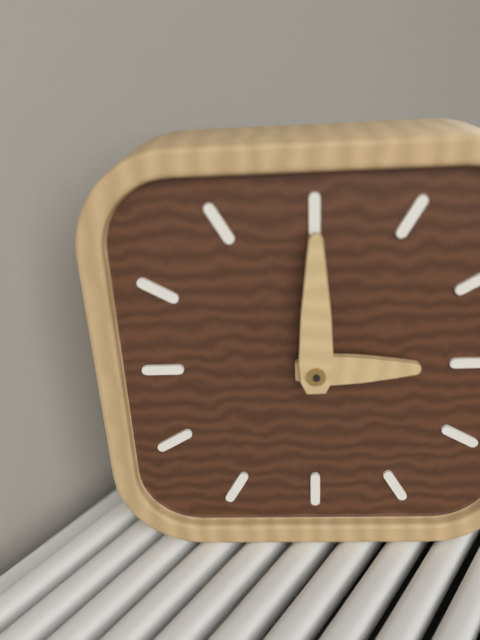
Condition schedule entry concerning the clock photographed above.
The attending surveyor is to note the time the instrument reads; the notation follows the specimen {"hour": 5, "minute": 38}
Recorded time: {"hour": 3, "minute": 0}
